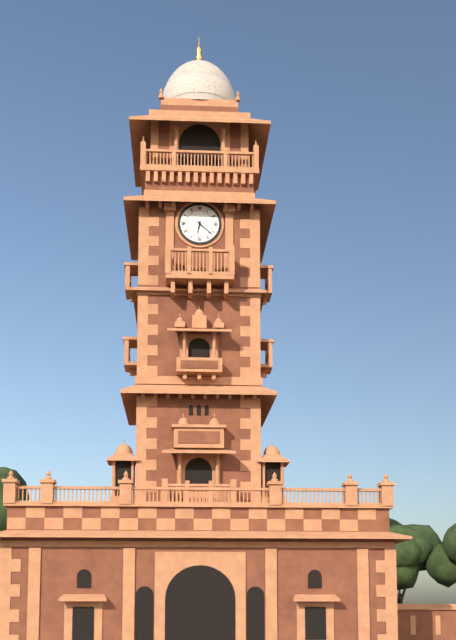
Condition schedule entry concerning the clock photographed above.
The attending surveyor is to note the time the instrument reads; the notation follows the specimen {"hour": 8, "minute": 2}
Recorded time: {"hour": 6, "minute": 22}
